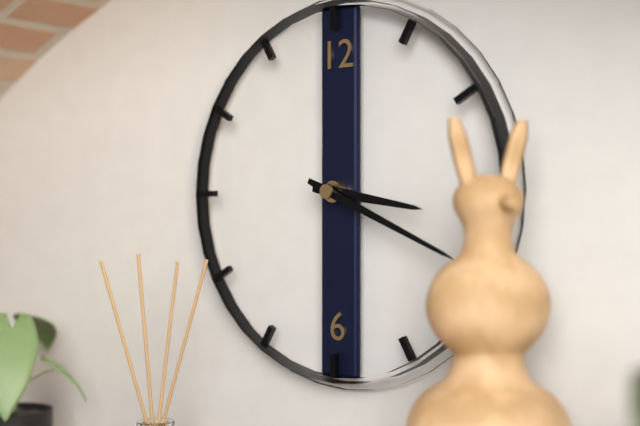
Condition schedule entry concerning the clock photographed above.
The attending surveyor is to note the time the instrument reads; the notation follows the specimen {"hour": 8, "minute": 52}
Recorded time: {"hour": 3, "minute": 19}
